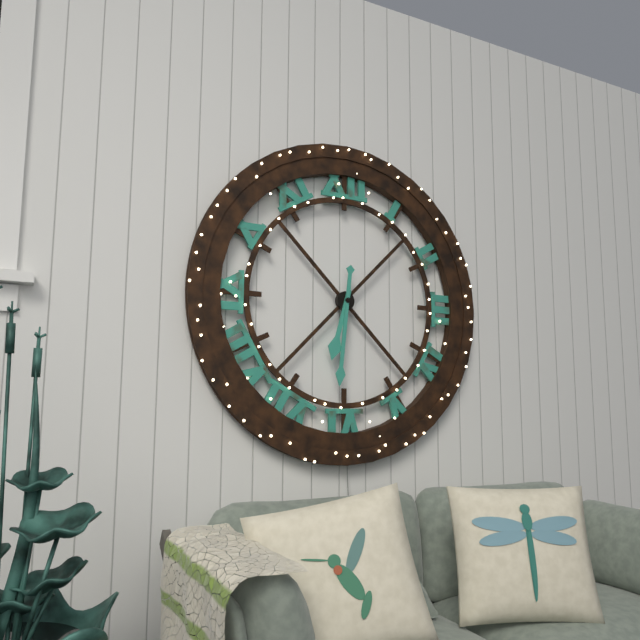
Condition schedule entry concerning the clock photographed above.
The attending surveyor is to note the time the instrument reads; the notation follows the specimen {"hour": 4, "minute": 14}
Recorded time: {"hour": 6, "minute": 31}
